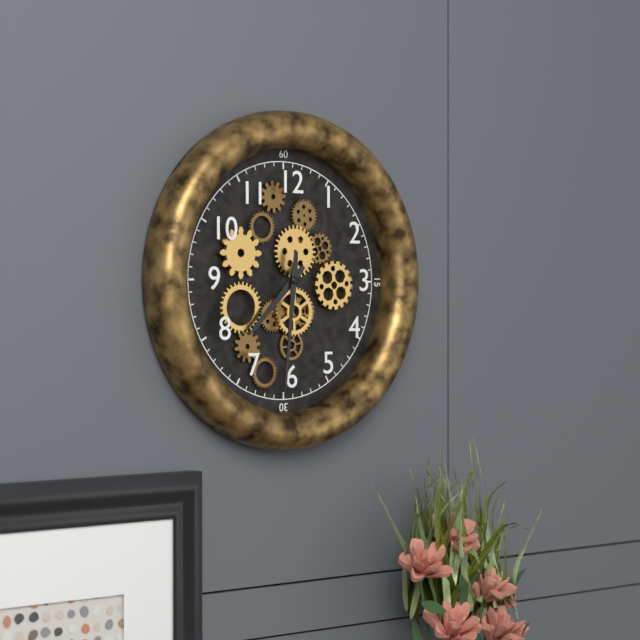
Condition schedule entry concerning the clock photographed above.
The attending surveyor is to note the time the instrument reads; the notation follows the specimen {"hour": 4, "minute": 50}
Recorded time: {"hour": 7, "minute": 31}
